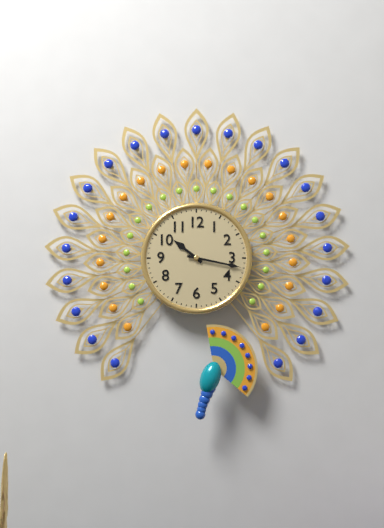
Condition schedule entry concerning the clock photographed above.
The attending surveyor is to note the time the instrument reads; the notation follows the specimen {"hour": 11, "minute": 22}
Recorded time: {"hour": 10, "minute": 17}
